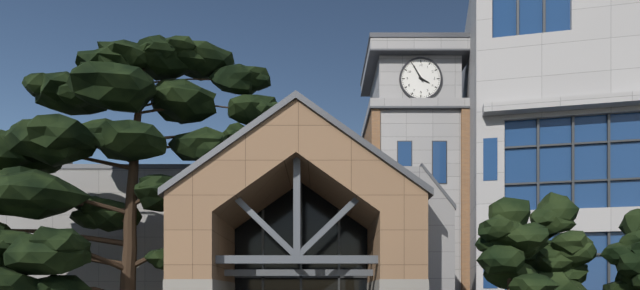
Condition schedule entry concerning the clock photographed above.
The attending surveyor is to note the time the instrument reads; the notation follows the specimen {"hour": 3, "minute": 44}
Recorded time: {"hour": 3, "minute": 55}
